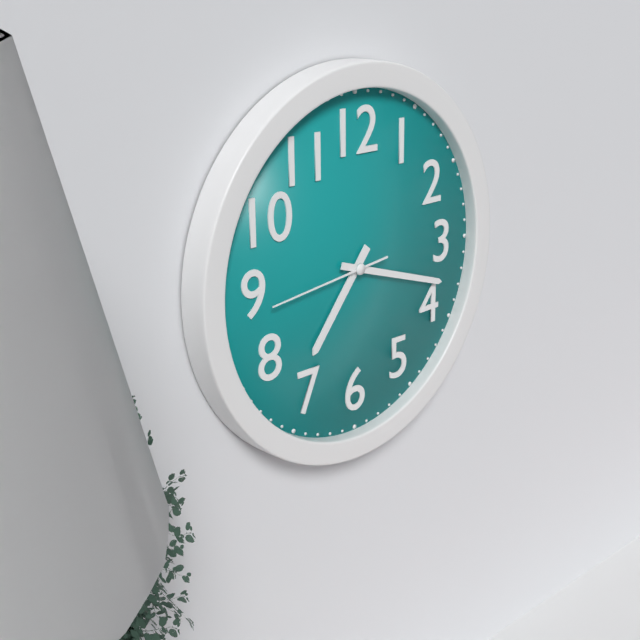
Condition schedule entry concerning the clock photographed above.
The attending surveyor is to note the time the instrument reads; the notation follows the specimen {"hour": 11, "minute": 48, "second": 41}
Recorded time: {"hour": 7, "minute": 18, "second": 44}
